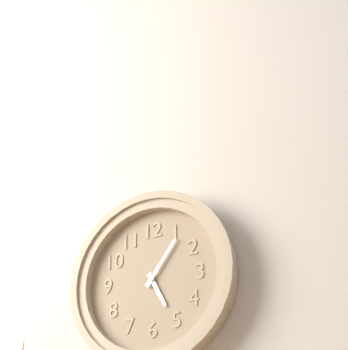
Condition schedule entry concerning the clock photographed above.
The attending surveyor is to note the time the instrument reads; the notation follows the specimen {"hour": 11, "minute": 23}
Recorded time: {"hour": 5, "minute": 6}
